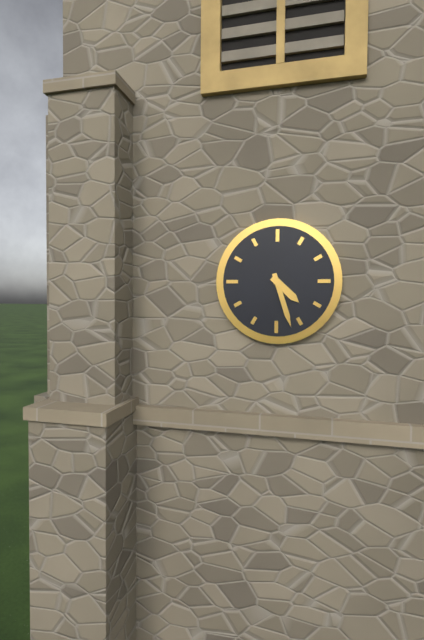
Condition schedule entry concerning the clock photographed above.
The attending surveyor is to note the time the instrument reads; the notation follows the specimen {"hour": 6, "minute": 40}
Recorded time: {"hour": 4, "minute": 27}
